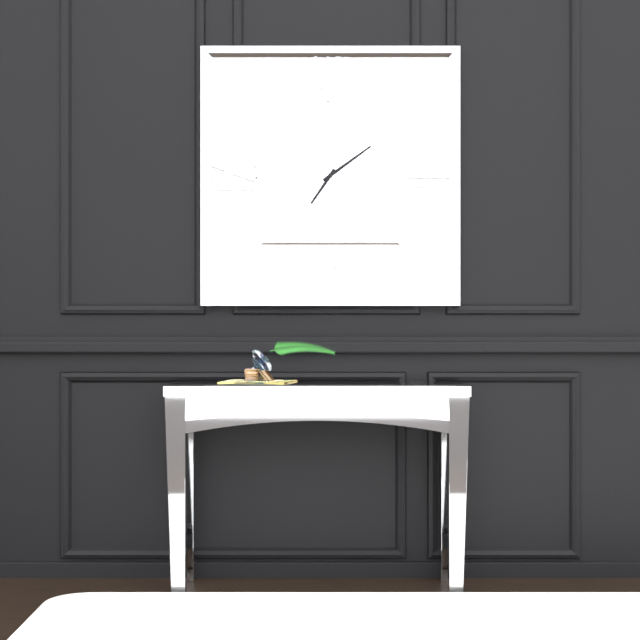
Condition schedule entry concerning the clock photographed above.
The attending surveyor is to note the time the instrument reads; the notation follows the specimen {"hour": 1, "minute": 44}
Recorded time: {"hour": 7, "minute": 9}
